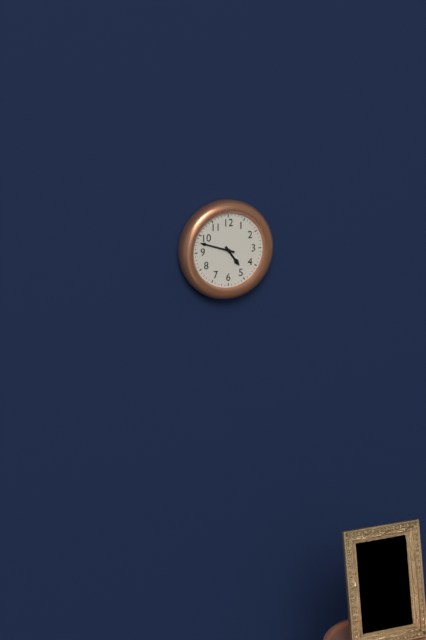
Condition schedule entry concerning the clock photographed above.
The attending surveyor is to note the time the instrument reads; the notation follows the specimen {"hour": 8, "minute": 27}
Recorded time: {"hour": 4, "minute": 48}
